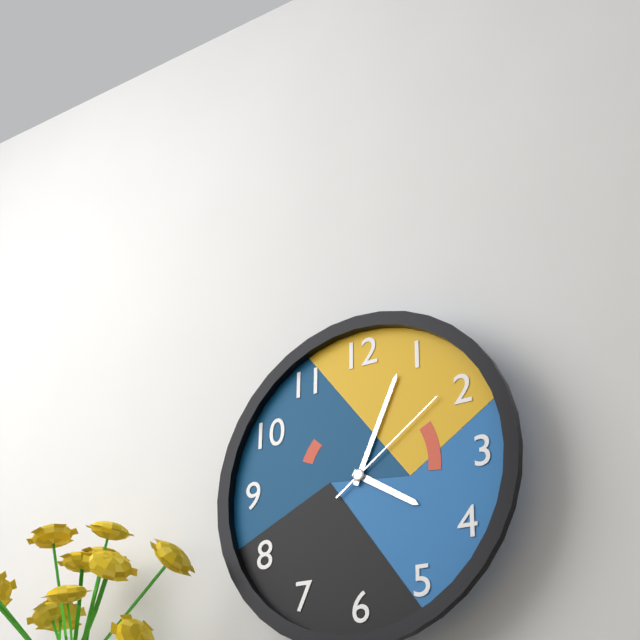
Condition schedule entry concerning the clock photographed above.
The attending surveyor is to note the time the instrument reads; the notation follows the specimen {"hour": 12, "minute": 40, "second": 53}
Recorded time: {"hour": 4, "minute": 4, "second": 9}
